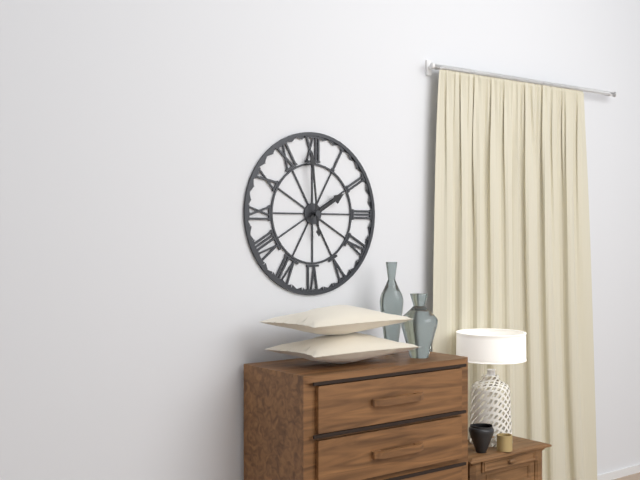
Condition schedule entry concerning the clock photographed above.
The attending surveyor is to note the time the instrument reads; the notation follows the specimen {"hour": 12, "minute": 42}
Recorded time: {"hour": 1, "minute": 59}
